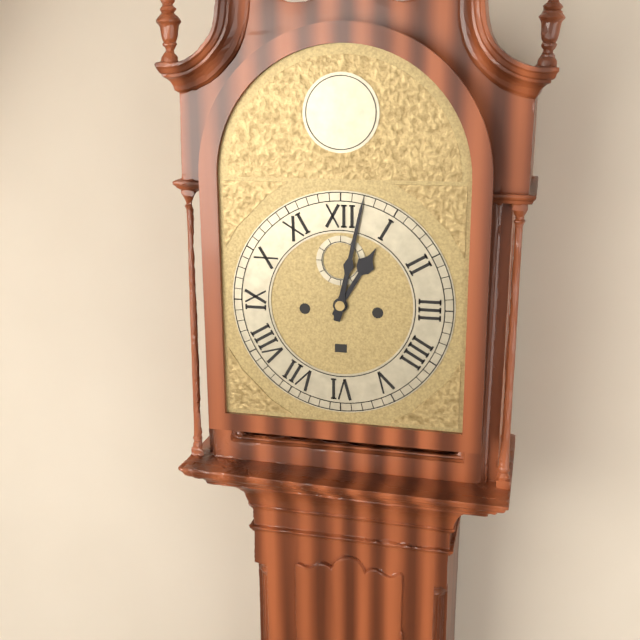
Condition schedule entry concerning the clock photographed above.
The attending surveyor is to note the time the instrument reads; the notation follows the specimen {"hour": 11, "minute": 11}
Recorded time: {"hour": 1, "minute": 2}
